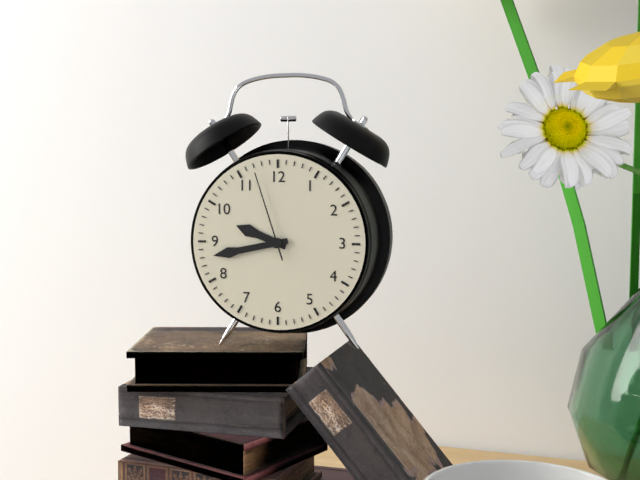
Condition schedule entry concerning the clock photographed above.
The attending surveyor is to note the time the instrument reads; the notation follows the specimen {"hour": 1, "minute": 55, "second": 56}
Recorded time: {"hour": 9, "minute": 43, "second": 57}
